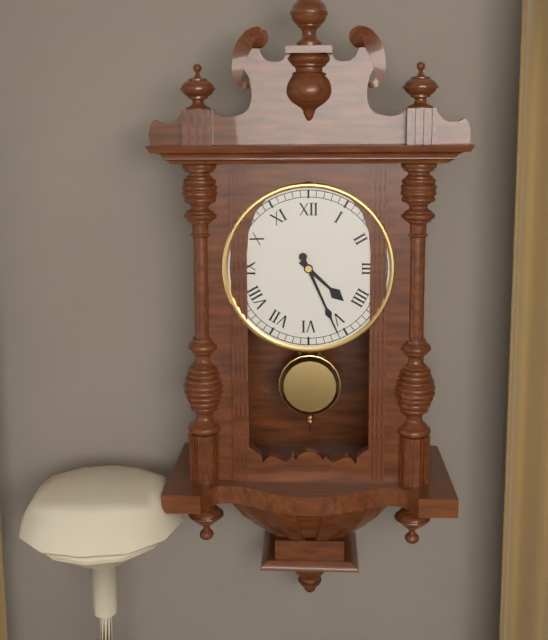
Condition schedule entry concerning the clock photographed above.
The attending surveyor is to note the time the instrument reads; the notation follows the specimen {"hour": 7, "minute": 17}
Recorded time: {"hour": 4, "minute": 26}
